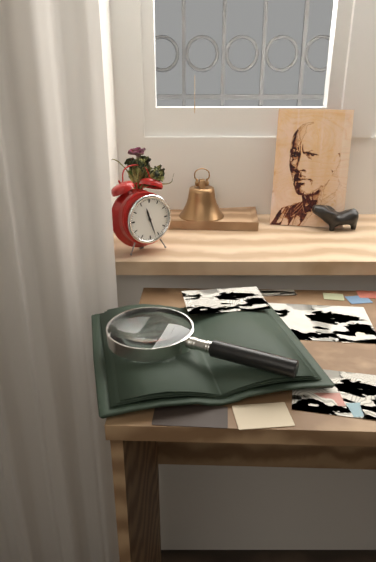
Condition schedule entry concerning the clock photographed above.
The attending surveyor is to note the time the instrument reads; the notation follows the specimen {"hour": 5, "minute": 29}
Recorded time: {"hour": 11, "minute": 27}
